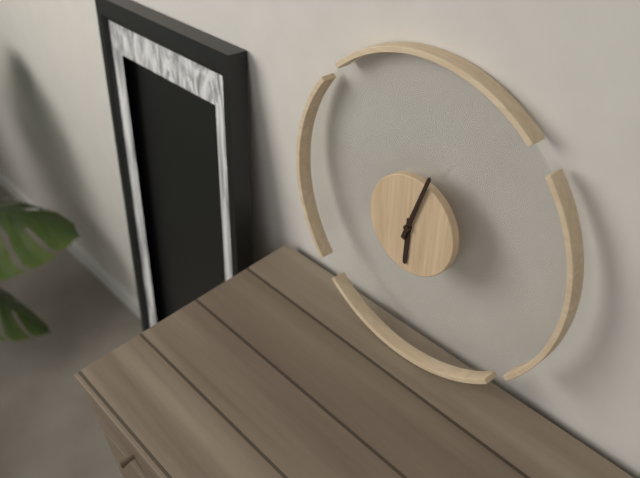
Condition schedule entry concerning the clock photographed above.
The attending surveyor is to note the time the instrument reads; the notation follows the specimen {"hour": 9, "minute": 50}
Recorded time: {"hour": 6, "minute": 3}
